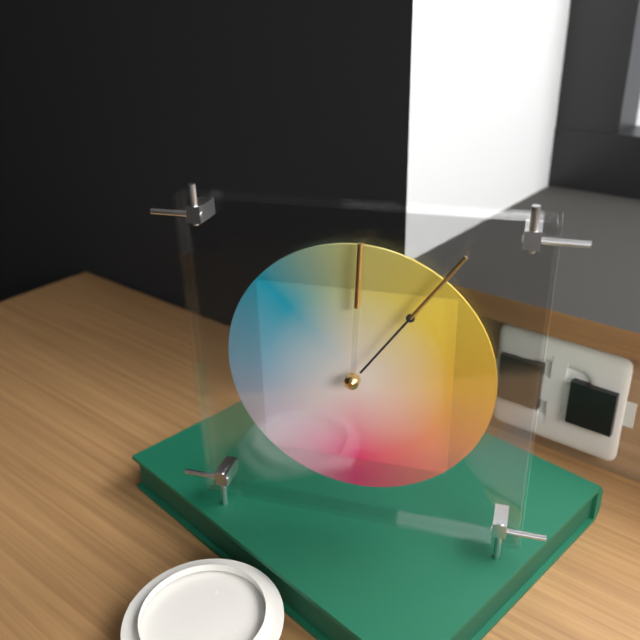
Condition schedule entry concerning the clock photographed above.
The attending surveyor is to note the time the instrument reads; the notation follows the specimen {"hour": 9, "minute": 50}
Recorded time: {"hour": 12, "minute": 6}
